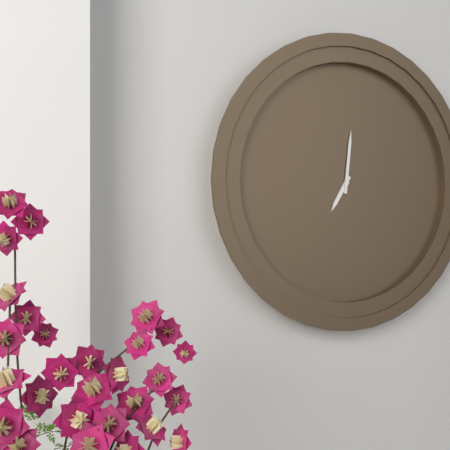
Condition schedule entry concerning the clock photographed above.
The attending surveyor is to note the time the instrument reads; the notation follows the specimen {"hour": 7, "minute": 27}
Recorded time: {"hour": 7, "minute": 1}
